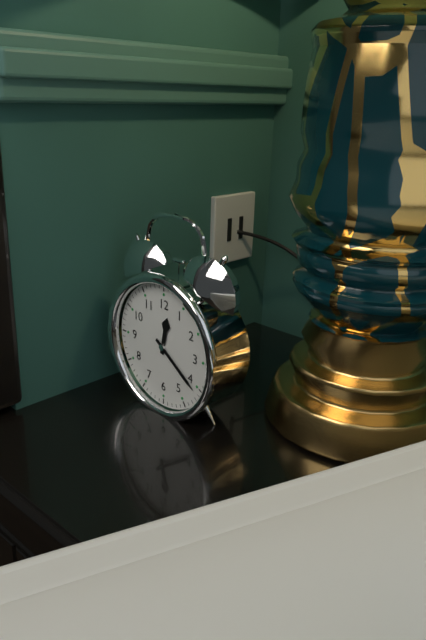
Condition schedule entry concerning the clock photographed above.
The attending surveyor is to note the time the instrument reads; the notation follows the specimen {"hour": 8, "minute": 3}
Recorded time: {"hour": 12, "minute": 21}
